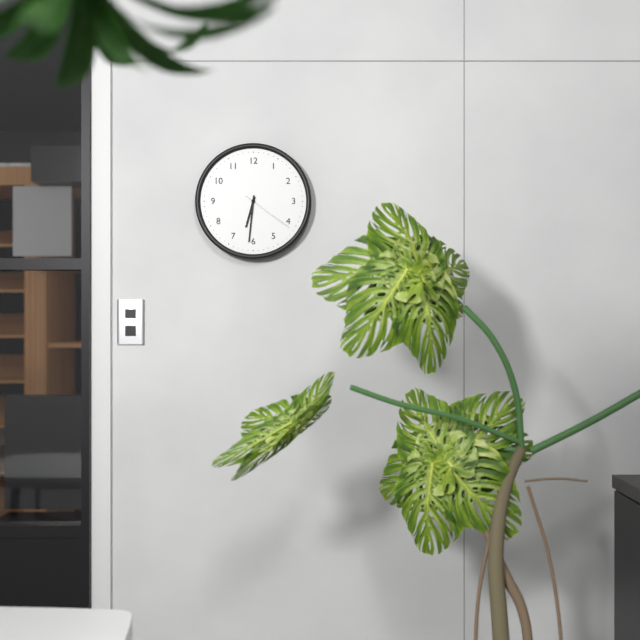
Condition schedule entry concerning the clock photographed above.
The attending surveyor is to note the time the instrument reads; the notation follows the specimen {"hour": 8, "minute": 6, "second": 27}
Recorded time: {"hour": 6, "minute": 31, "second": 21}
